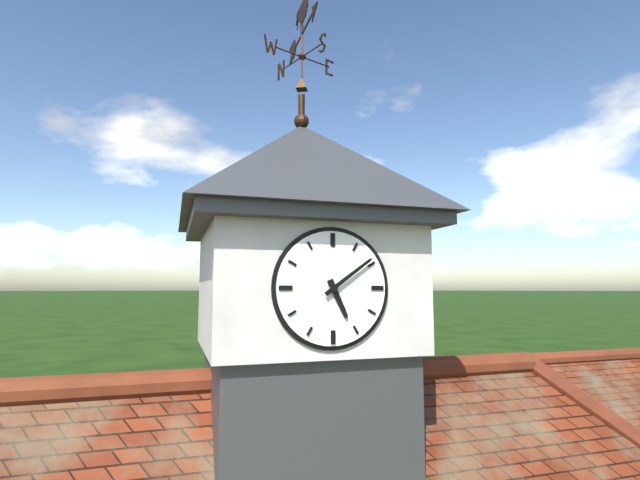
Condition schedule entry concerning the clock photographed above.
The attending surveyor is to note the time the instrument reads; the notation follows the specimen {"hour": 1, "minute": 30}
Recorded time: {"hour": 5, "minute": 9}
